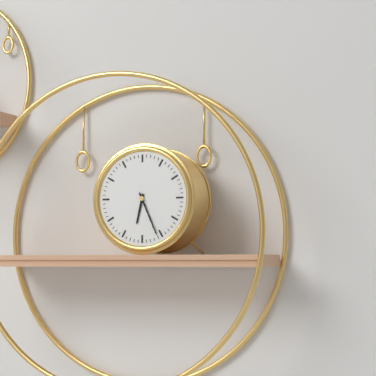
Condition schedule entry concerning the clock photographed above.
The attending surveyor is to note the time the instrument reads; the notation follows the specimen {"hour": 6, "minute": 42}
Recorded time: {"hour": 6, "minute": 26}
